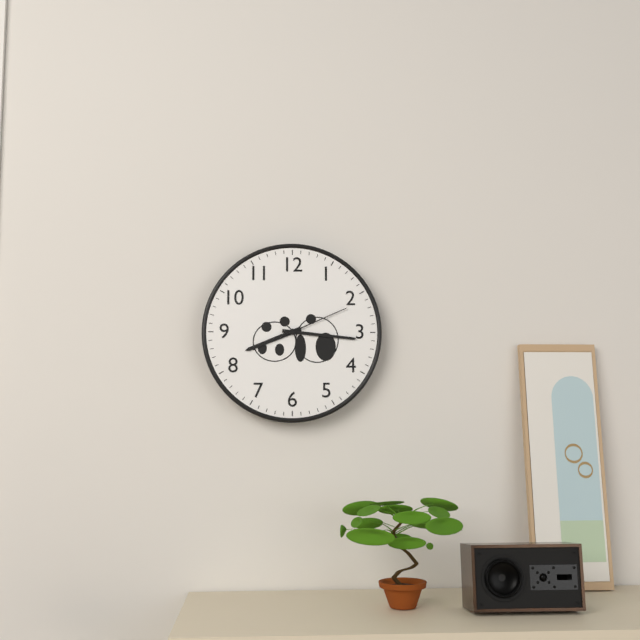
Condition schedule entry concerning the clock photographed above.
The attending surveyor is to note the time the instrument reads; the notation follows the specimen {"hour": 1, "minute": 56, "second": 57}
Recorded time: {"hour": 8, "minute": 16, "second": 11}
